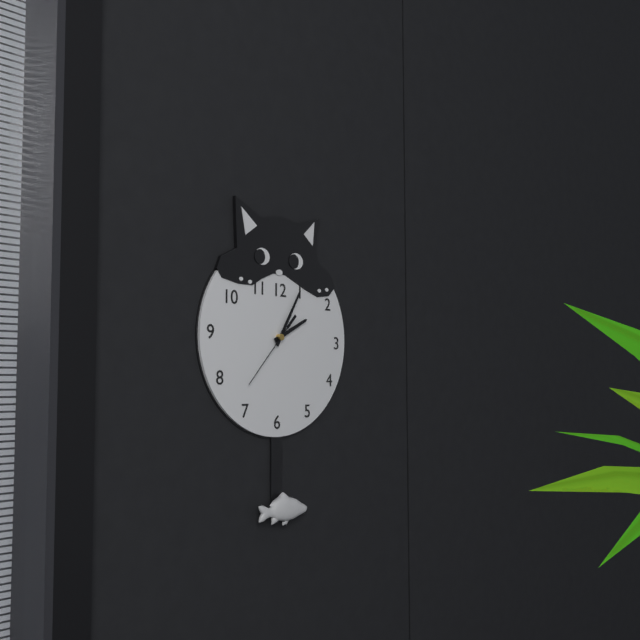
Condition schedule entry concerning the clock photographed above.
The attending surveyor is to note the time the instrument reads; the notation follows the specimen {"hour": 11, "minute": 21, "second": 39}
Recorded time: {"hour": 2, "minute": 5, "second": 37}
